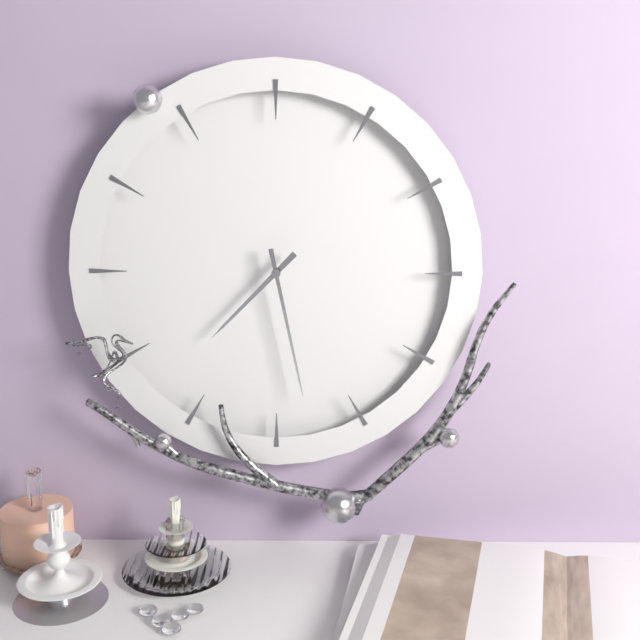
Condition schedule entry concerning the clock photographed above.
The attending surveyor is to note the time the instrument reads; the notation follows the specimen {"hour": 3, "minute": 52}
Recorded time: {"hour": 7, "minute": 28}
